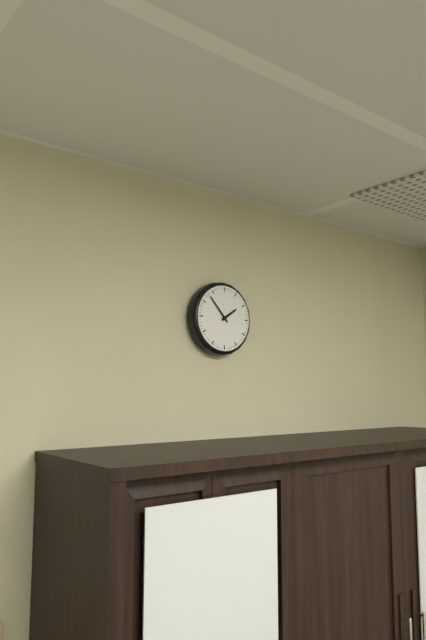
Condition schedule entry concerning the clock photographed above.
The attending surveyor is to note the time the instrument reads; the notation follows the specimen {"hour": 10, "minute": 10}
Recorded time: {"hour": 1, "minute": 53}
